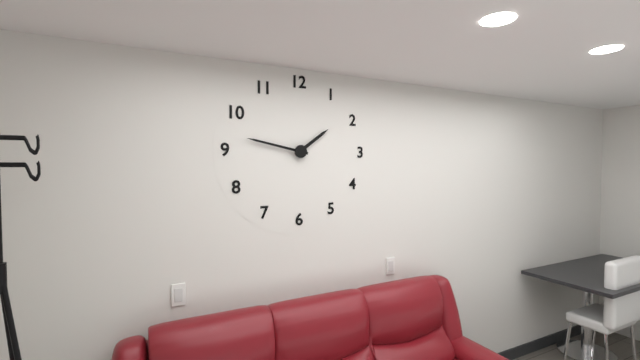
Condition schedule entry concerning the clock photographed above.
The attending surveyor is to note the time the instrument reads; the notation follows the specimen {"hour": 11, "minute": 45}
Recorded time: {"hour": 1, "minute": 47}
